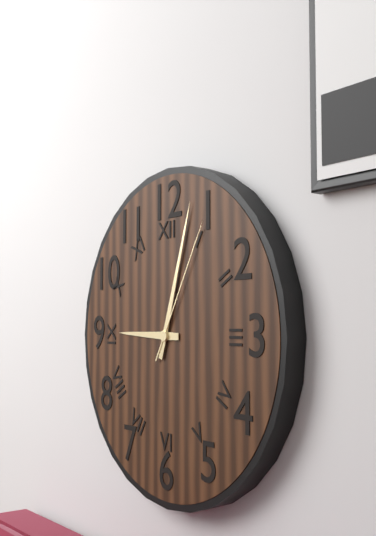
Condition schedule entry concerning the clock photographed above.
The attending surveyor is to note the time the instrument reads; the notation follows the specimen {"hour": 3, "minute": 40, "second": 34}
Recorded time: {"hour": 9, "minute": 3, "second": 5}
